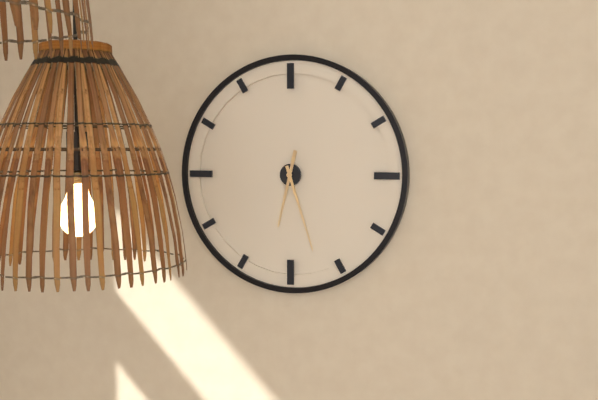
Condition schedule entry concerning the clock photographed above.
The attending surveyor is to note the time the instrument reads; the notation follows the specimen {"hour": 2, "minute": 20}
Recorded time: {"hour": 6, "minute": 27}
